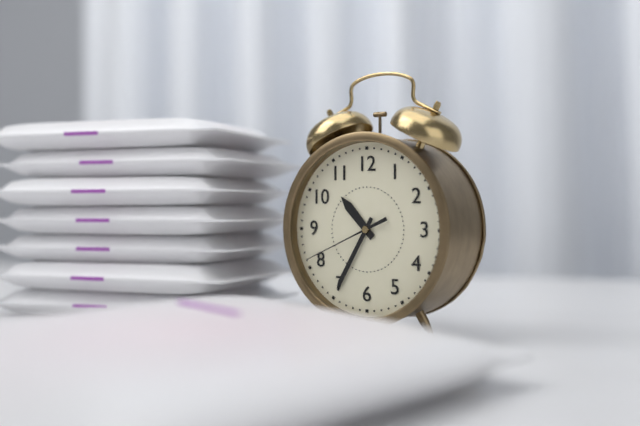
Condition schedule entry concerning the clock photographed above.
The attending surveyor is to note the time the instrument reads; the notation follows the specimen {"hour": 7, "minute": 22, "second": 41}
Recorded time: {"hour": 10, "minute": 35, "second": 41}
